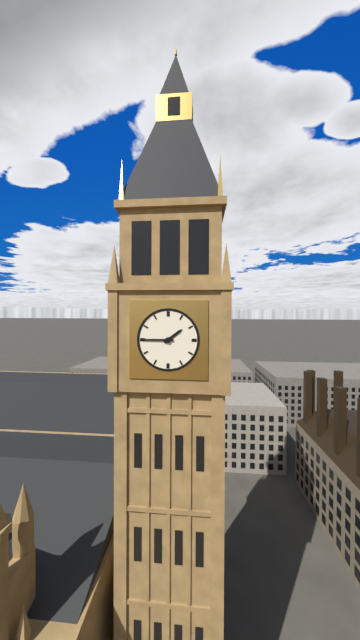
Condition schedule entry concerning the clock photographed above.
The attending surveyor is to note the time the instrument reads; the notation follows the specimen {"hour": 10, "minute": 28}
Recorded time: {"hour": 1, "minute": 45}
